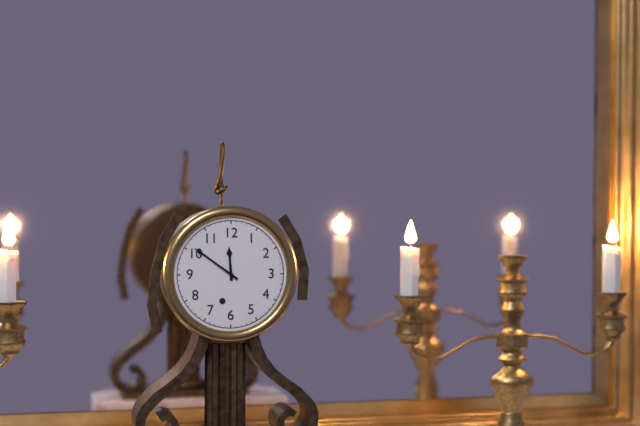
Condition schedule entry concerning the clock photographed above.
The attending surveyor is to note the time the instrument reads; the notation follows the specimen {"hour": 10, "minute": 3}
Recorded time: {"hour": 11, "minute": 51}
